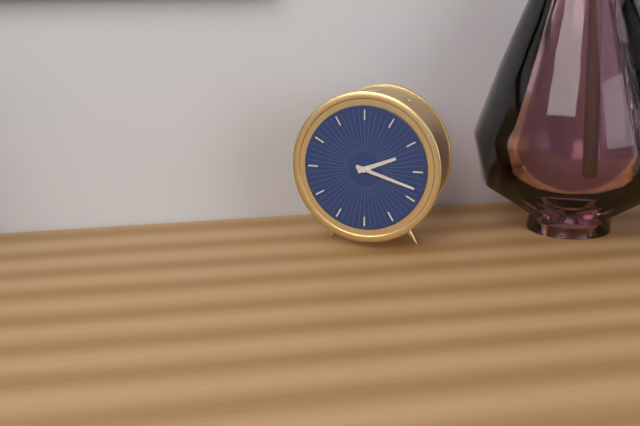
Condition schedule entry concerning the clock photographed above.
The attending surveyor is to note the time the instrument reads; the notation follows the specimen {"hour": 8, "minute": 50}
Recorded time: {"hour": 2, "minute": 18}
